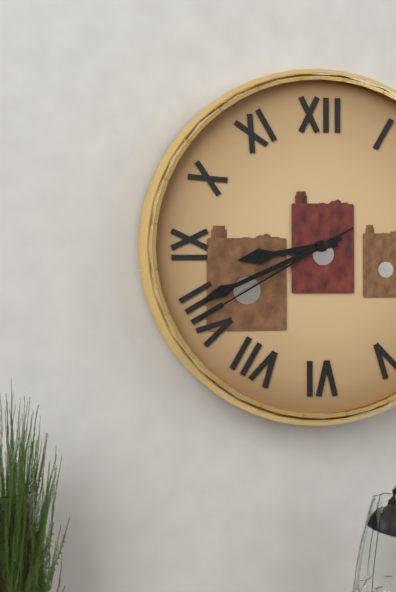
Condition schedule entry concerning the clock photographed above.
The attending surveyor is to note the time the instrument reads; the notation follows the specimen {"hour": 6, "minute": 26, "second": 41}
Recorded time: {"hour": 8, "minute": 41, "second": 40}
